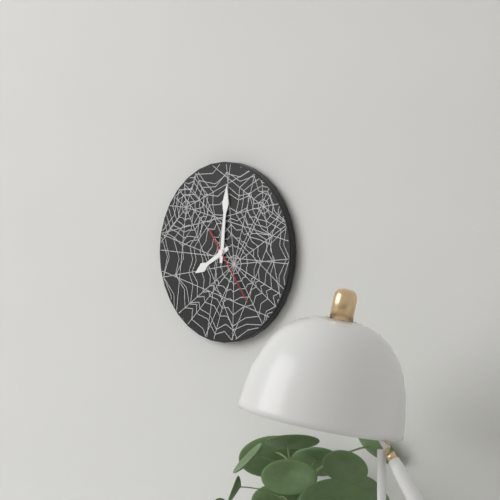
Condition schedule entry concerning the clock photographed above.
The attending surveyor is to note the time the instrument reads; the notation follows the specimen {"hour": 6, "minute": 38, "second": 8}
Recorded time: {"hour": 8, "minute": 1, "second": 24}
